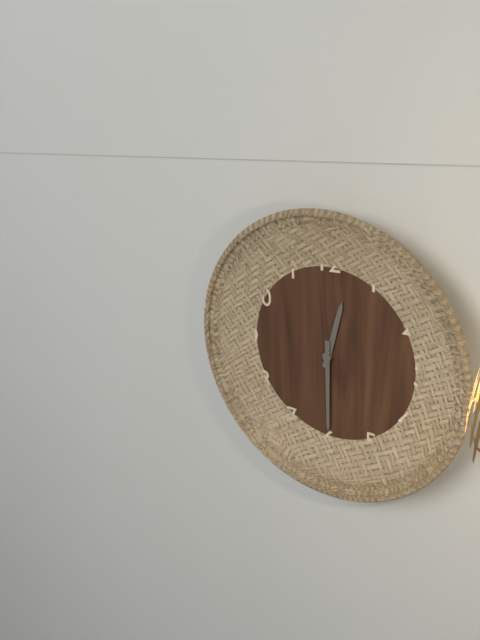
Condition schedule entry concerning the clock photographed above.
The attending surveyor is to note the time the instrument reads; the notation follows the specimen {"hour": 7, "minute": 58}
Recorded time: {"hour": 12, "minute": 30}
